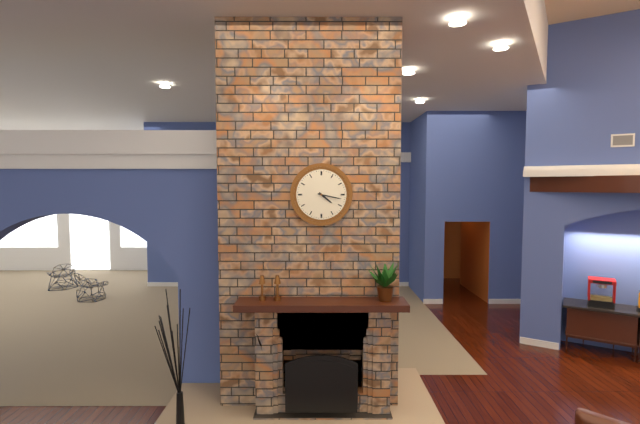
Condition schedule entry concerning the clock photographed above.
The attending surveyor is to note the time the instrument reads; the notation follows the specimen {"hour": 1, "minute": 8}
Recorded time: {"hour": 4, "minute": 17}
